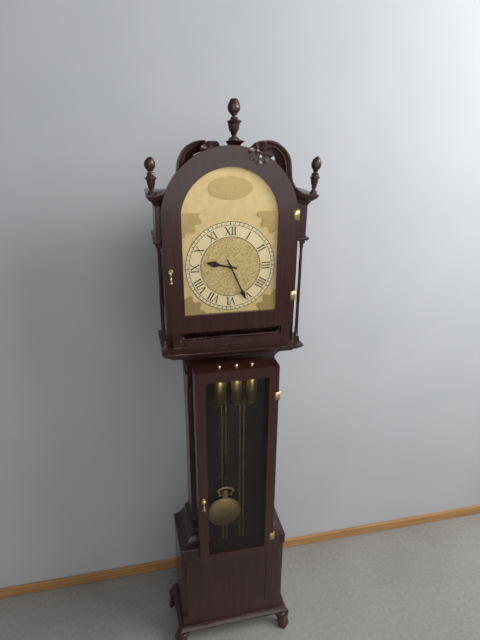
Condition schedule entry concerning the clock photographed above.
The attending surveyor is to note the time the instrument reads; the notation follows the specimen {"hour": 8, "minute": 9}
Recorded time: {"hour": 9, "minute": 26}
